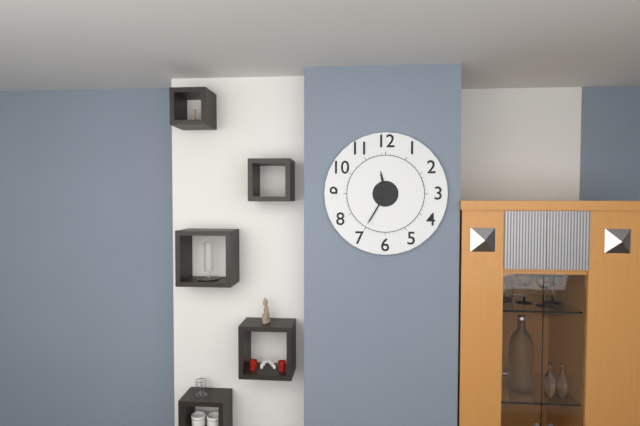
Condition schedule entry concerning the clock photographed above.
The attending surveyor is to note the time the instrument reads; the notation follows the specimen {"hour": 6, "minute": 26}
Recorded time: {"hour": 11, "minute": 35}
